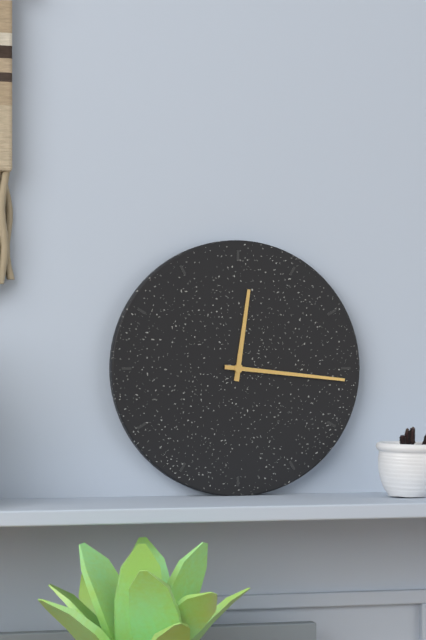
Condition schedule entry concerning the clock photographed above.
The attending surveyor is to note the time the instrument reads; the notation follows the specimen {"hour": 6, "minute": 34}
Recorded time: {"hour": 12, "minute": 16}
